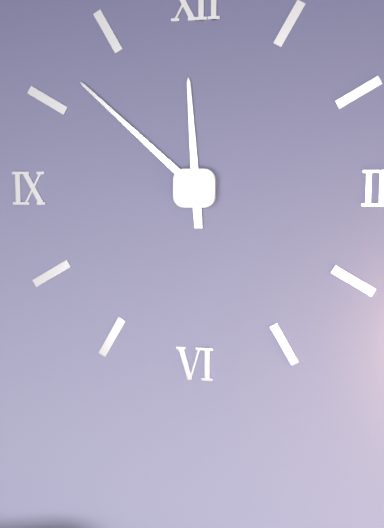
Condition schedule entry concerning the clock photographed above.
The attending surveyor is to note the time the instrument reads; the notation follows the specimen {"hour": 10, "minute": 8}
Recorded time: {"hour": 11, "minute": 52}
